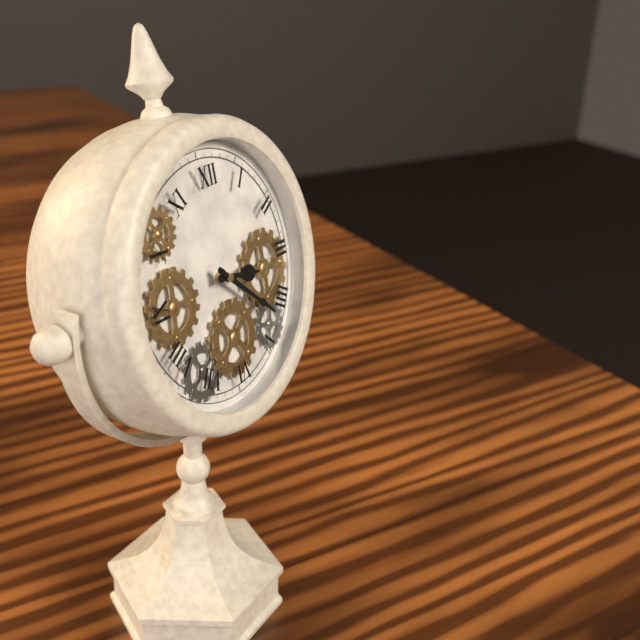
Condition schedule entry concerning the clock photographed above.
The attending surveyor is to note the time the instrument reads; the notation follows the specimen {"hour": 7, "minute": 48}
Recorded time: {"hour": 3, "minute": 22}
